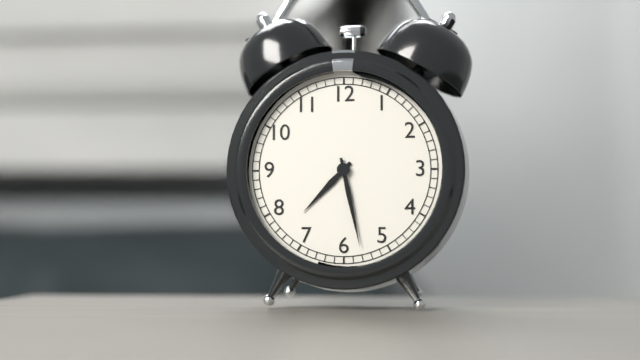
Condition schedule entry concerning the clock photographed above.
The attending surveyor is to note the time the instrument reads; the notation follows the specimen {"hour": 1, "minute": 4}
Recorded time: {"hour": 7, "minute": 28}
